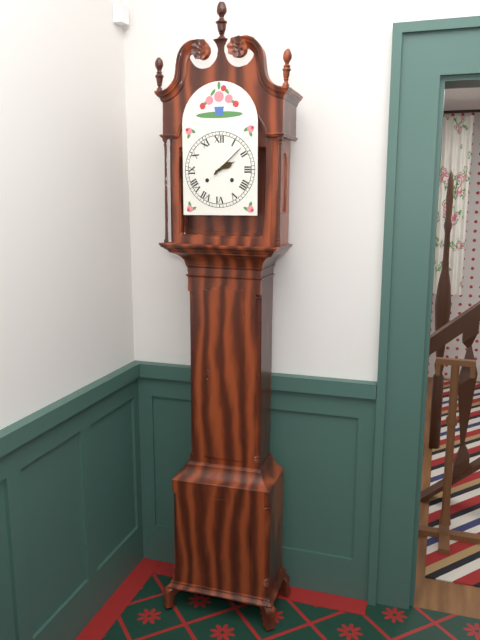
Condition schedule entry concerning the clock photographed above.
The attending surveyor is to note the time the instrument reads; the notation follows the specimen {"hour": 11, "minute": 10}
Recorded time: {"hour": 2, "minute": 8}
